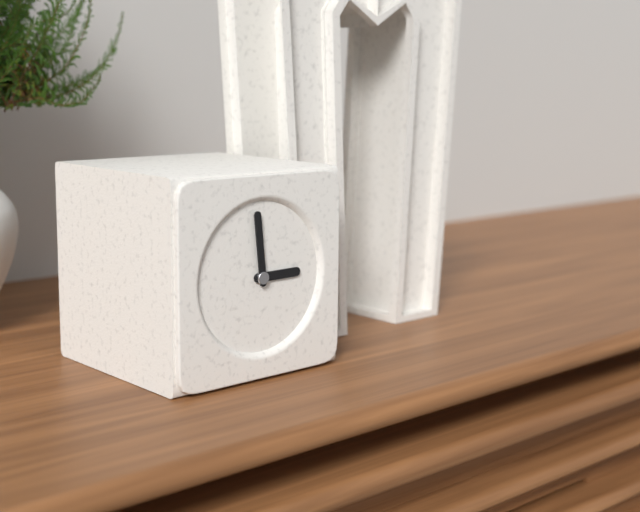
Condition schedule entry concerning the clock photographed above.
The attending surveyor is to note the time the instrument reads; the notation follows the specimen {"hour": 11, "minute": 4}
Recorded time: {"hour": 2, "minute": 59}
